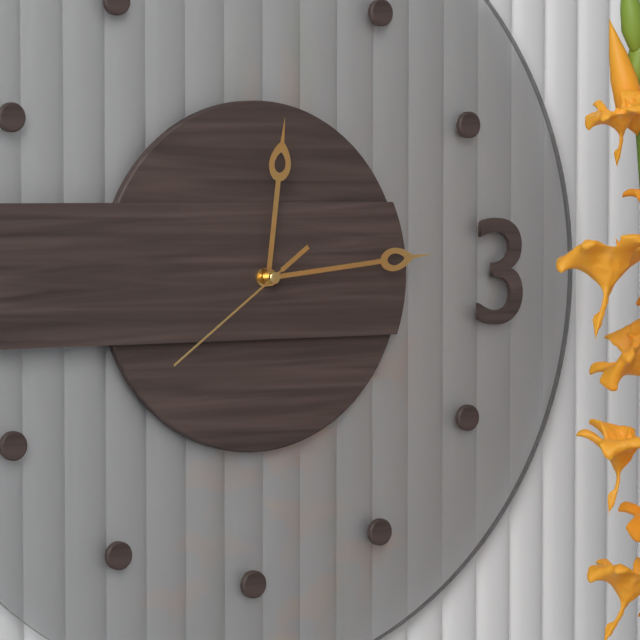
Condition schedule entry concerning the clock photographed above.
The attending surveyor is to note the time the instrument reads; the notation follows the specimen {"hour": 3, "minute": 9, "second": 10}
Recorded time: {"hour": 12, "minute": 14, "second": 39}
